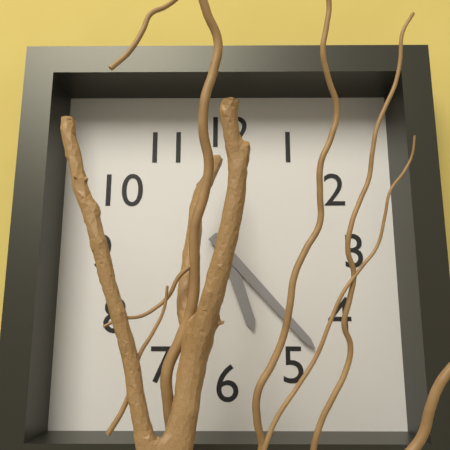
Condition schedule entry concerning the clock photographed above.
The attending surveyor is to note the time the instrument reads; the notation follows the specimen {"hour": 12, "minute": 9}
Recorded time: {"hour": 5, "minute": 23}
